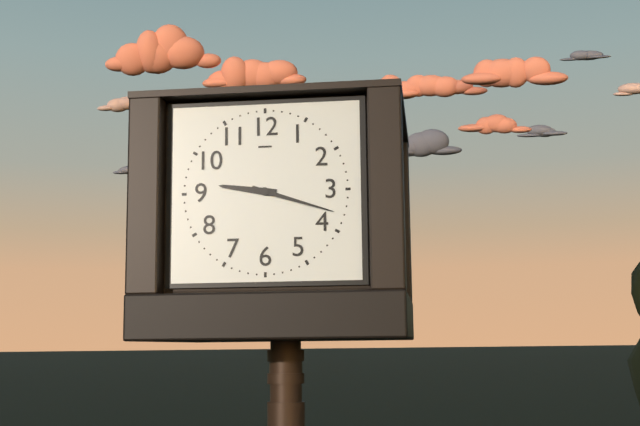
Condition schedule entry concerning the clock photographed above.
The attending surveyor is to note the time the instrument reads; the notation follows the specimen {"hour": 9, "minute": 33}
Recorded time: {"hour": 9, "minute": 18}
